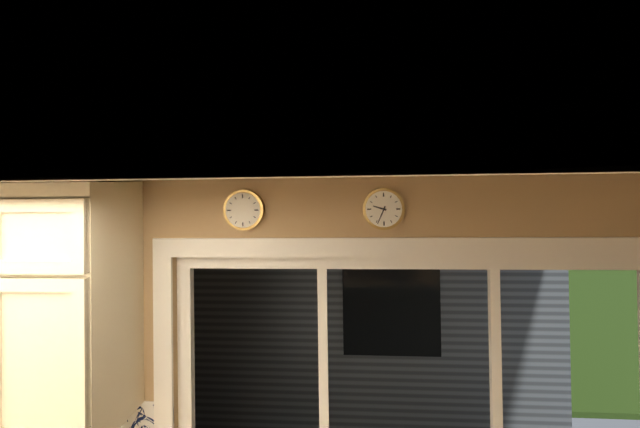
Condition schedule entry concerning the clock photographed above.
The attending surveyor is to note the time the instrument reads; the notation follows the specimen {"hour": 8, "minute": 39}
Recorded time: {"hour": 9, "minute": 34}
